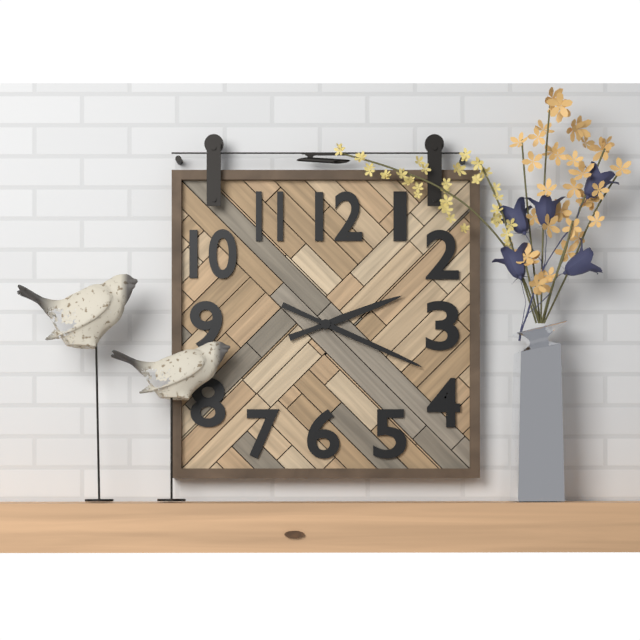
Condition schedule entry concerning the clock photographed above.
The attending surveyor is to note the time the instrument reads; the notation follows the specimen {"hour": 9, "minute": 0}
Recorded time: {"hour": 2, "minute": 19}
